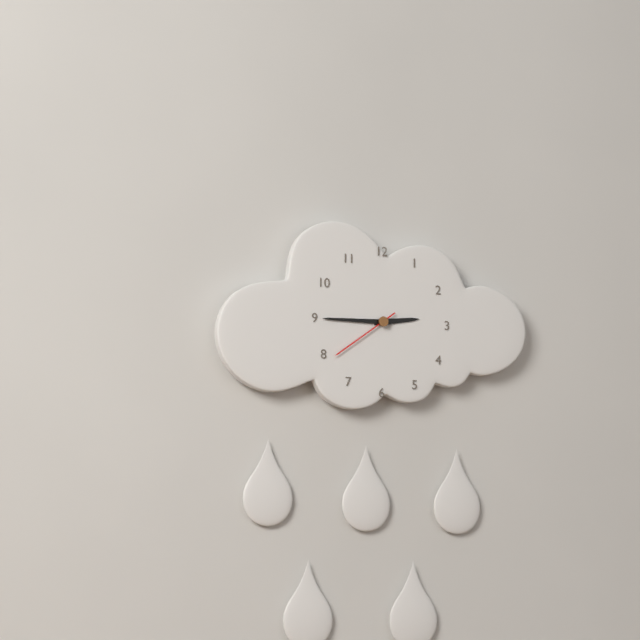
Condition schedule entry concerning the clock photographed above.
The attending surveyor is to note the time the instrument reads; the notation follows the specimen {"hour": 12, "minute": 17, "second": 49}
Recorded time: {"hour": 2, "minute": 45, "second": 39}
